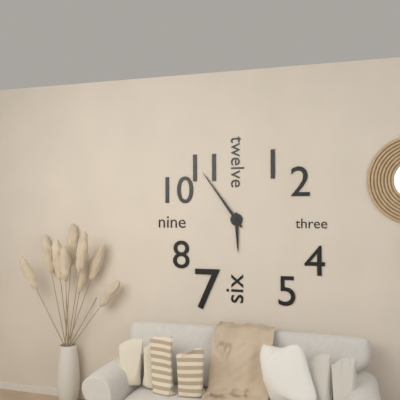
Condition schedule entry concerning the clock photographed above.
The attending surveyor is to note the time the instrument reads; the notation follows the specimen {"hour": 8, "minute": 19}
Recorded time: {"hour": 5, "minute": 54}
